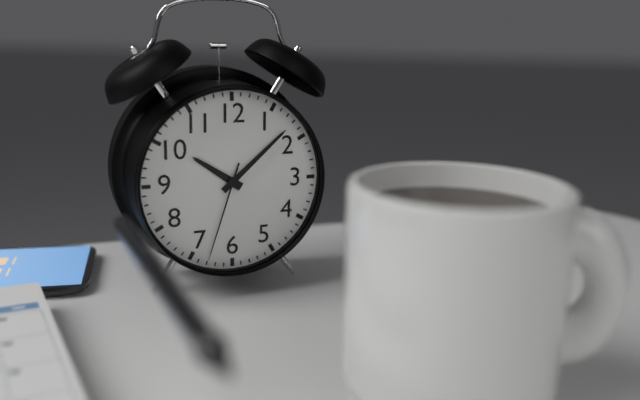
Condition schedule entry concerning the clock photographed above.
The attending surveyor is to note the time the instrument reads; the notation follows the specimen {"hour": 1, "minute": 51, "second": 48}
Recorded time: {"hour": 10, "minute": 8, "second": 33}
